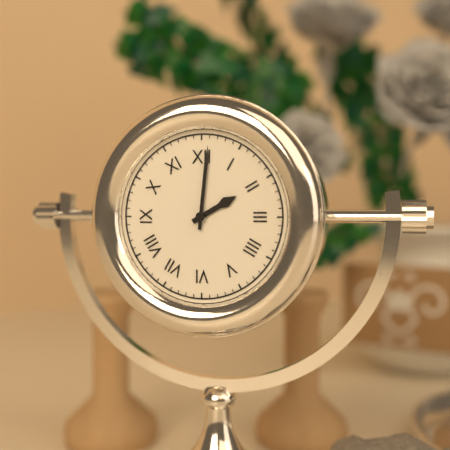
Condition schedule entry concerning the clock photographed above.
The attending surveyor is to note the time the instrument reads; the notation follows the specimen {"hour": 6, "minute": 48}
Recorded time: {"hour": 2, "minute": 1}
